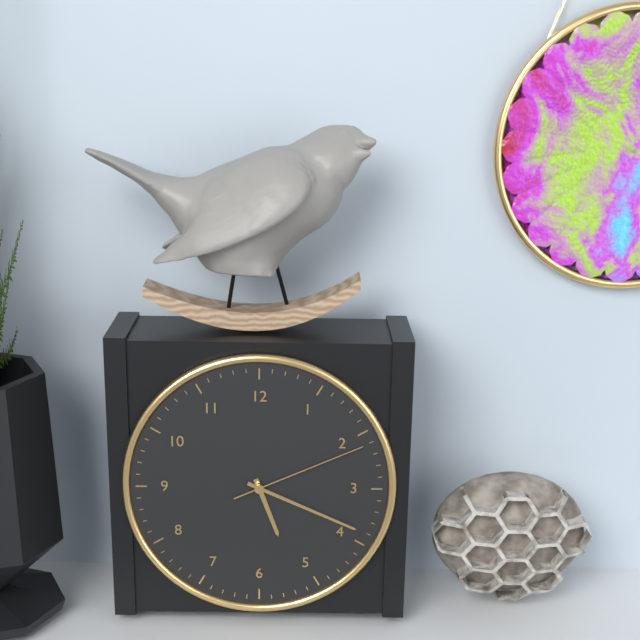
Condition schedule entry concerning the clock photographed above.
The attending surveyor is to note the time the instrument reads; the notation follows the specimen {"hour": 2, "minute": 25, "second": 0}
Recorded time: {"hour": 5, "minute": 19, "second": 11}
